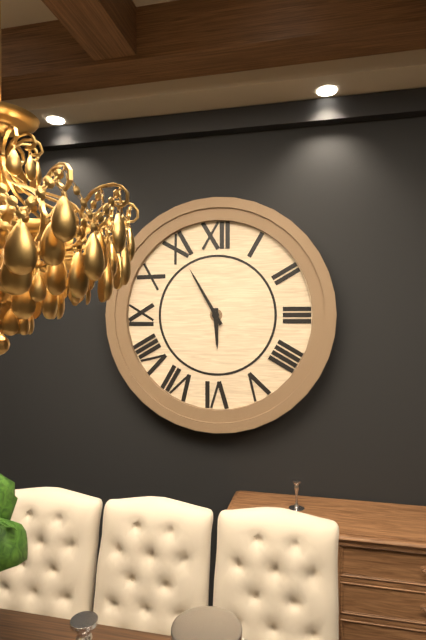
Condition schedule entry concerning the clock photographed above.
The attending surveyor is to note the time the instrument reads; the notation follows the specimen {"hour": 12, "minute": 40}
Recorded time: {"hour": 5, "minute": 55}
